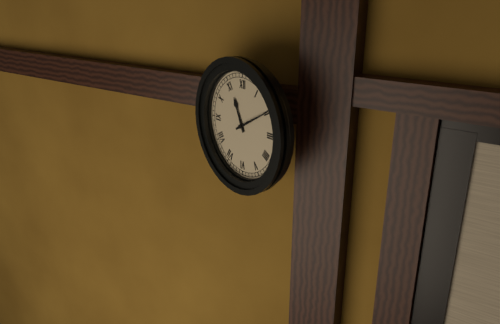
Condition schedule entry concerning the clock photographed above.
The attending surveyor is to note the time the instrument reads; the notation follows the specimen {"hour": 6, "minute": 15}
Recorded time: {"hour": 11, "minute": 10}
